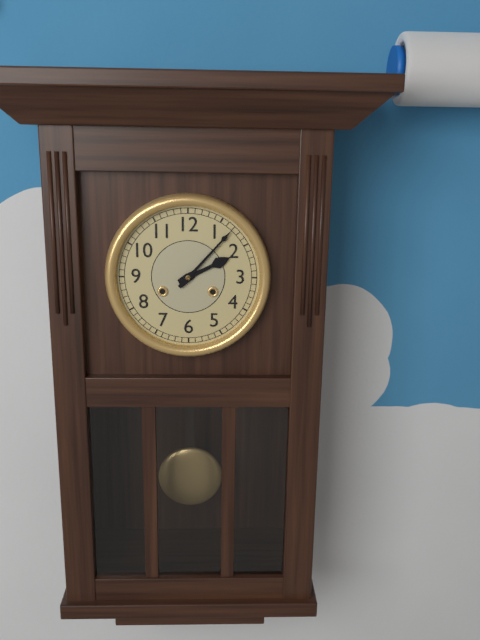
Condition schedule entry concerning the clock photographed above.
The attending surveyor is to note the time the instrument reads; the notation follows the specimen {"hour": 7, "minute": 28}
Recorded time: {"hour": 2, "minute": 7}
